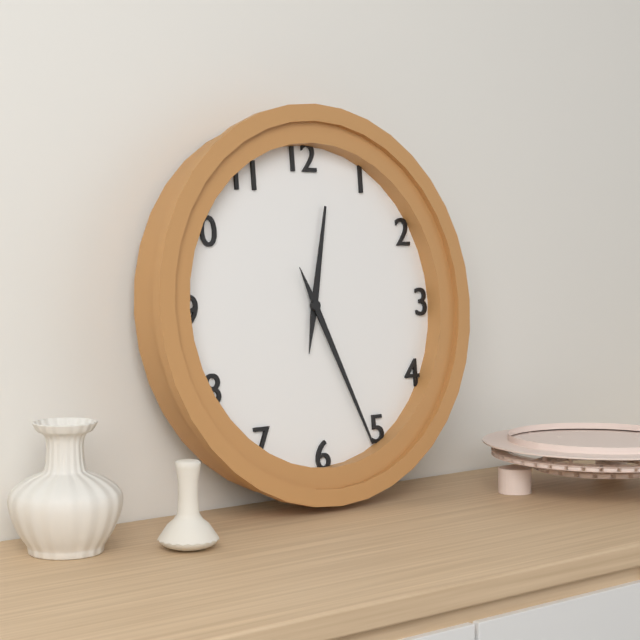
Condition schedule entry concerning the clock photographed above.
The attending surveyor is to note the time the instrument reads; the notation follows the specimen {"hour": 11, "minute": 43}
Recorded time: {"hour": 12, "minute": 26}
